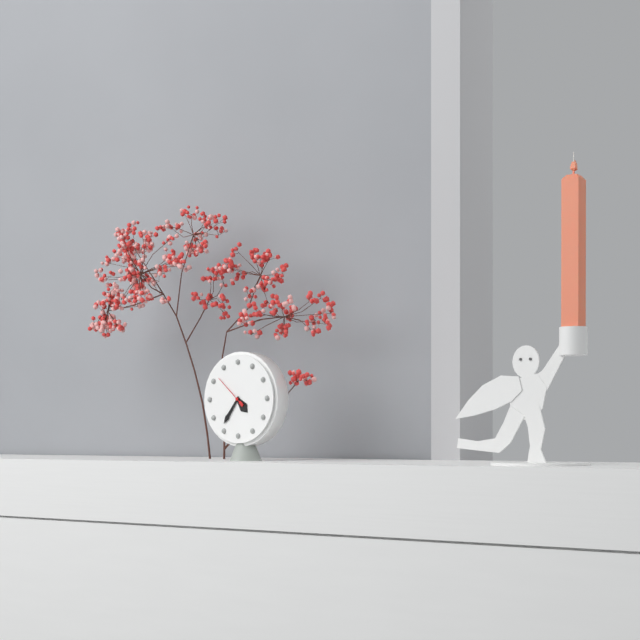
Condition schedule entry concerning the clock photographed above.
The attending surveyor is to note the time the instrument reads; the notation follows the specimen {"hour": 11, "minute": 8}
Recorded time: {"hour": 4, "minute": 36}
